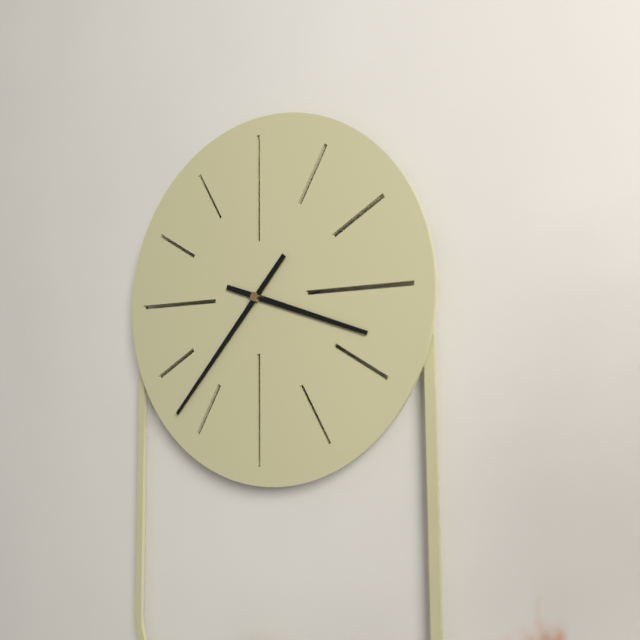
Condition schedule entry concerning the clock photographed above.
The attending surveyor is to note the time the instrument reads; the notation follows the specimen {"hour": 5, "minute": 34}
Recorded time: {"hour": 3, "minute": 37}
